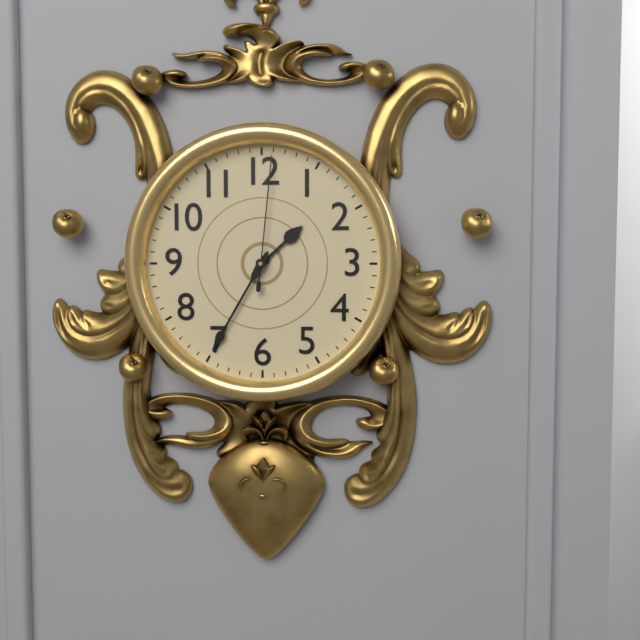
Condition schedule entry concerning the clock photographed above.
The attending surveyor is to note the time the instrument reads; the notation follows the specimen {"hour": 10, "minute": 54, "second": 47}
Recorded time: {"hour": 1, "minute": 35, "second": 1}
